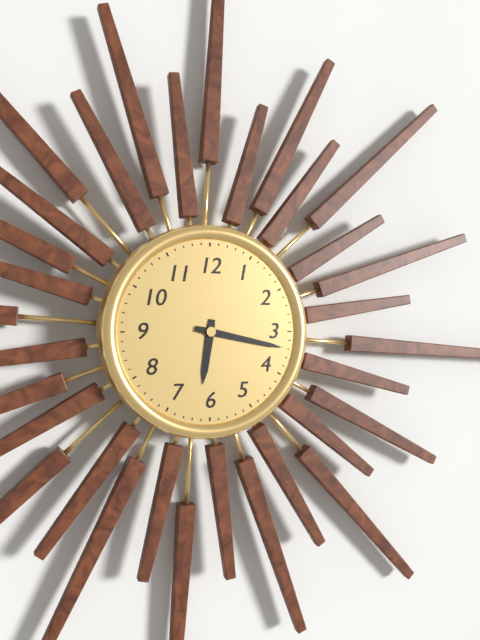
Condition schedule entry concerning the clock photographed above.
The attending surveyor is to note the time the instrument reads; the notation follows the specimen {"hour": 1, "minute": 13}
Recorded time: {"hour": 6, "minute": 17}
